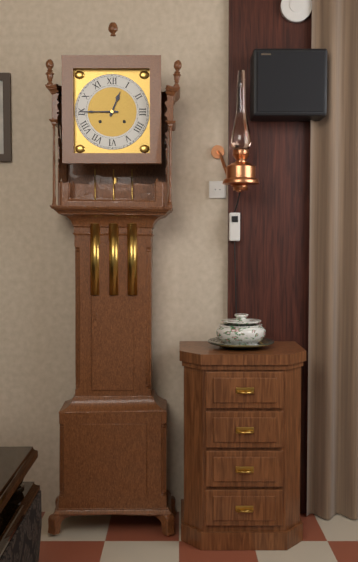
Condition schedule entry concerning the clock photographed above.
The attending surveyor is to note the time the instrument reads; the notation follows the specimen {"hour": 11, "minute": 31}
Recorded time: {"hour": 12, "minute": 45}
